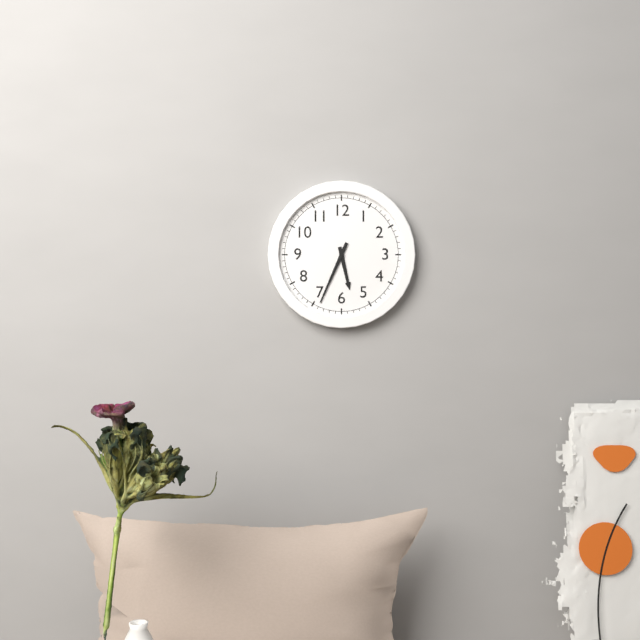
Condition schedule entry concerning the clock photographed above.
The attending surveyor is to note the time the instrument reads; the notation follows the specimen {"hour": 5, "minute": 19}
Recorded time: {"hour": 5, "minute": 34}
